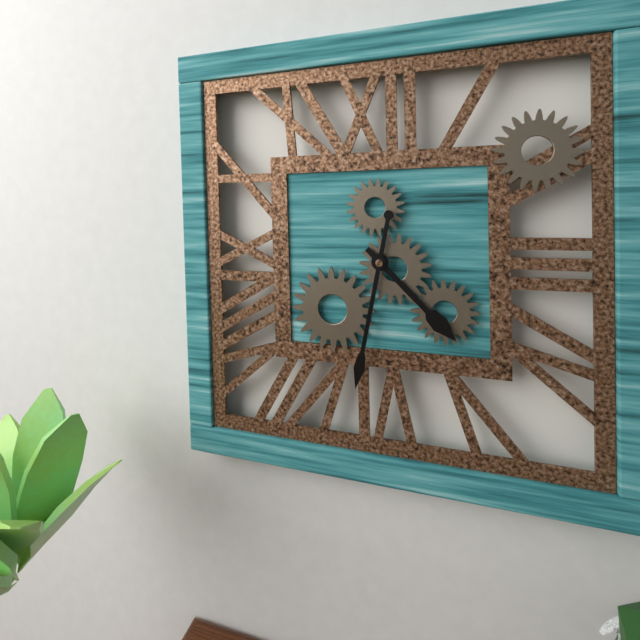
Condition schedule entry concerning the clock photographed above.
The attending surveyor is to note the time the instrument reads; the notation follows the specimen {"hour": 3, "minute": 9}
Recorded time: {"hour": 4, "minute": 32}
